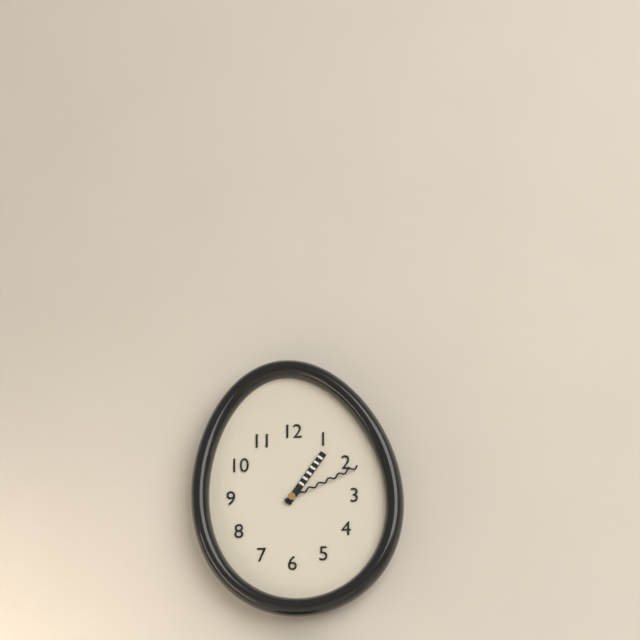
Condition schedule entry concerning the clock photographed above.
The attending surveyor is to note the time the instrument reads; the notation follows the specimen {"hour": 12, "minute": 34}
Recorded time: {"hour": 1, "minute": 11}
